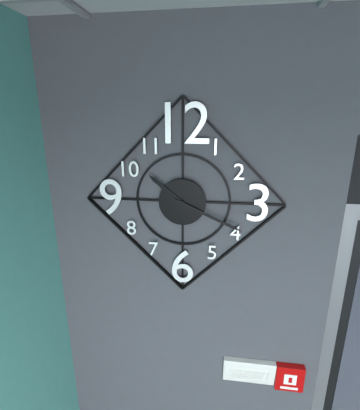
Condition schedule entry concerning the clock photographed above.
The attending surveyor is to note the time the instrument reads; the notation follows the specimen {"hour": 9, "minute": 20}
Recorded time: {"hour": 10, "minute": 19}
